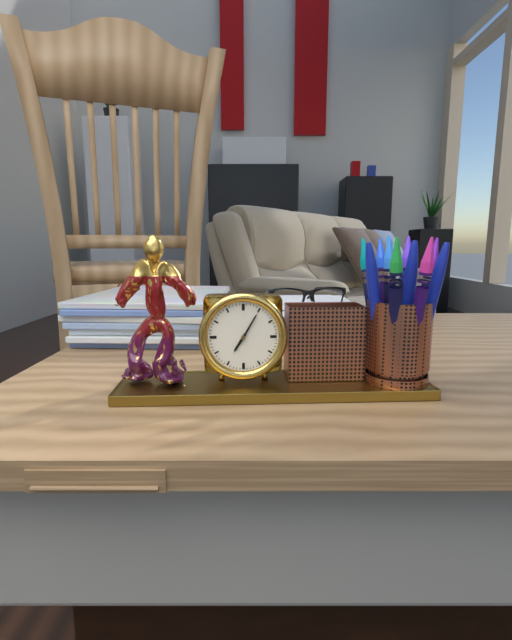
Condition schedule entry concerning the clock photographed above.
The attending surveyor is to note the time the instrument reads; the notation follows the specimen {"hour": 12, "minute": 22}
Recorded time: {"hour": 7, "minute": 5}
